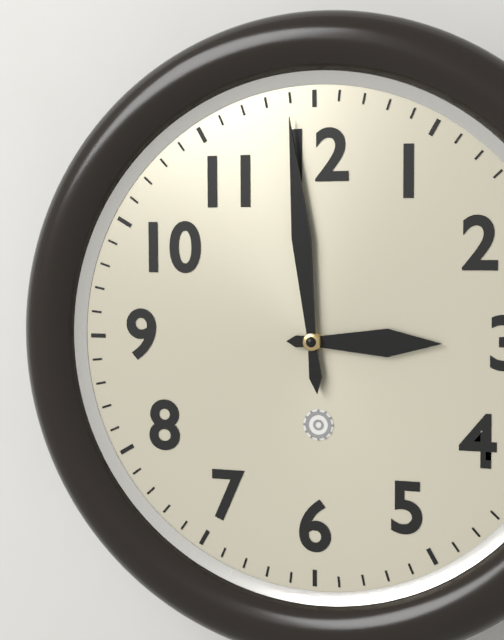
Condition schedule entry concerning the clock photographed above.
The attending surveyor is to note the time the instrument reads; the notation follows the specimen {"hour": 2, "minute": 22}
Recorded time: {"hour": 2, "minute": 59}
